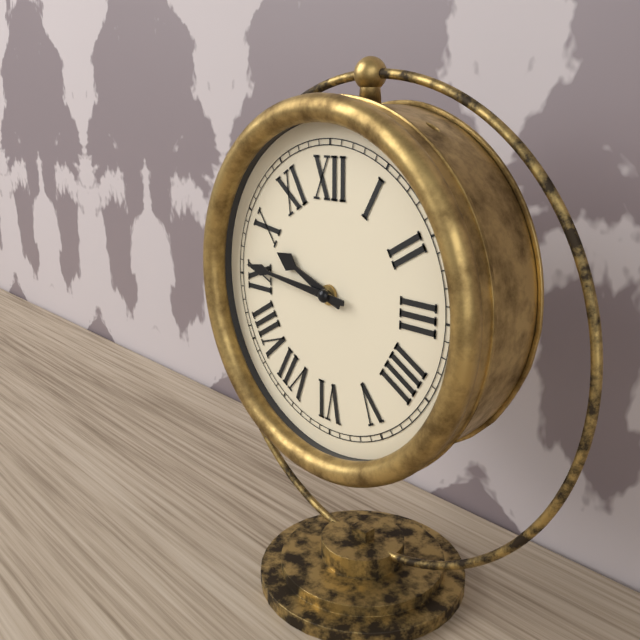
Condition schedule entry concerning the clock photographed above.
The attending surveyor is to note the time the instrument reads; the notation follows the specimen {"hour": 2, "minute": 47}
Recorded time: {"hour": 9, "minute": 46}
